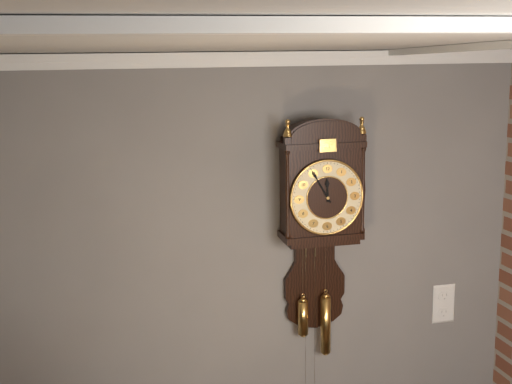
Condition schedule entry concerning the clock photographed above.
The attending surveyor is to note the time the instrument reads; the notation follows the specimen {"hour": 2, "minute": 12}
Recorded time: {"hour": 11, "minute": 55}
